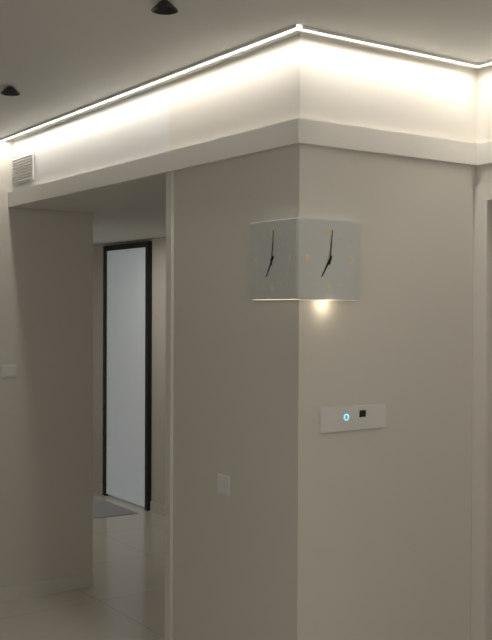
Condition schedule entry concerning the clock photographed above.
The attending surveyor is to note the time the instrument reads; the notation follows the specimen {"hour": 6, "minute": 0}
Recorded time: {"hour": 7, "minute": 1}
